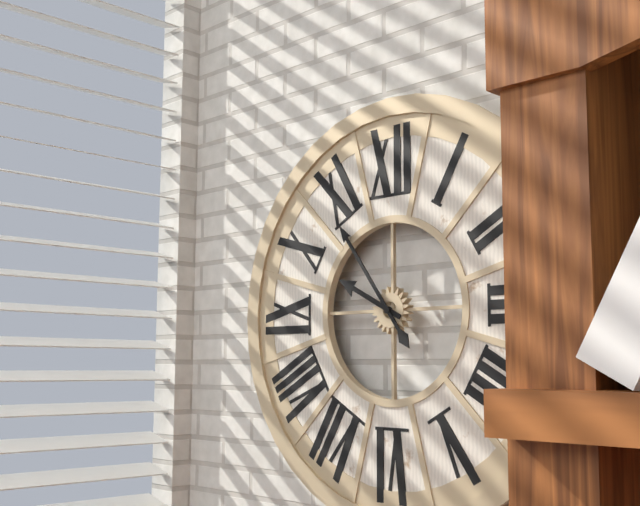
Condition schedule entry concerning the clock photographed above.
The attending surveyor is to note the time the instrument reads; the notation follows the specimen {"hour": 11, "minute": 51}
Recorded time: {"hour": 9, "minute": 54}
